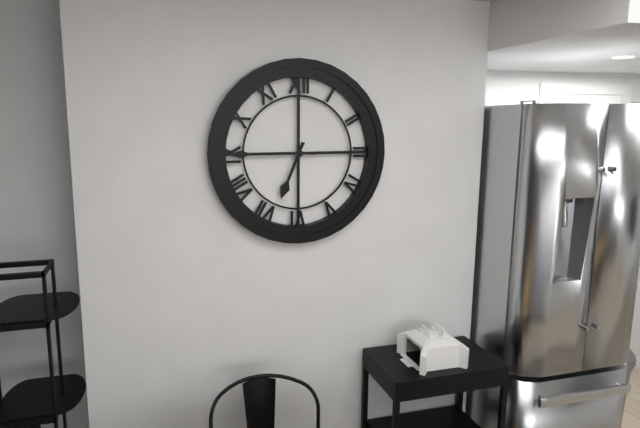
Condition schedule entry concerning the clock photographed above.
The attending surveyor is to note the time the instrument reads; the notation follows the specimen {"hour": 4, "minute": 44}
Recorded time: {"hour": 6, "minute": 45}
